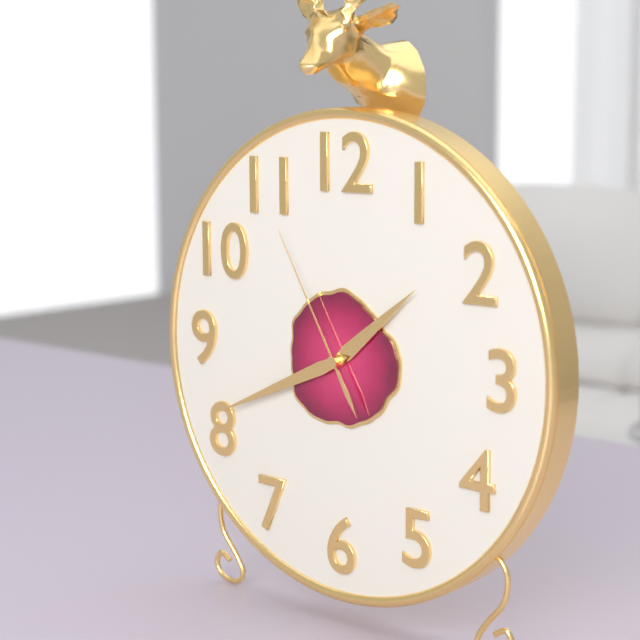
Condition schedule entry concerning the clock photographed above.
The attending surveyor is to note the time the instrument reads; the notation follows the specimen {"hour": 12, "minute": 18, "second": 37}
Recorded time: {"hour": 1, "minute": 41, "second": 55}
